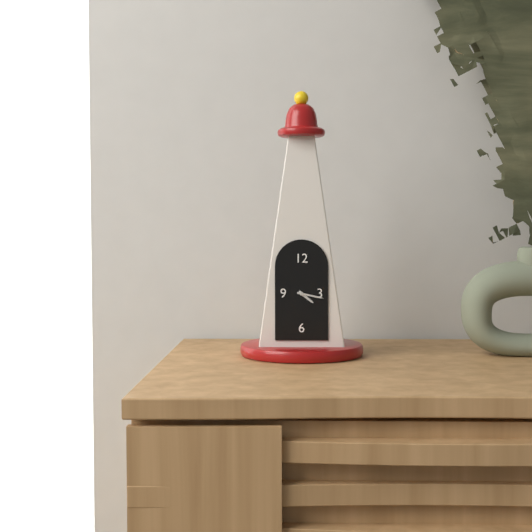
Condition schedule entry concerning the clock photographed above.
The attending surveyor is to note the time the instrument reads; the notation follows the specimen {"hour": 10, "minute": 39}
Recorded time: {"hour": 4, "minute": 17}
